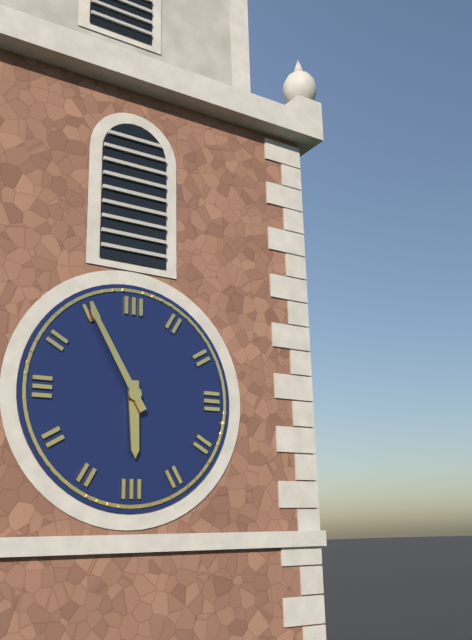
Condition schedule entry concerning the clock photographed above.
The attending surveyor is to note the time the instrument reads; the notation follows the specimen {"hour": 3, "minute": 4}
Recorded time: {"hour": 5, "minute": 55}
